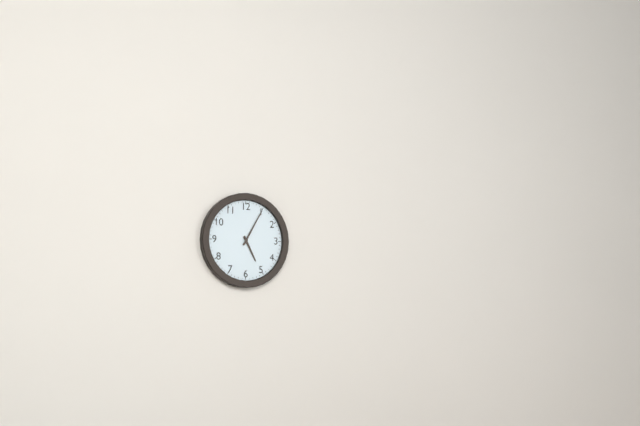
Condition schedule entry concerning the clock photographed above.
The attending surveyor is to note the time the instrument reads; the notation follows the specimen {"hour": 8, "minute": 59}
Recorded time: {"hour": 5, "minute": 5}
